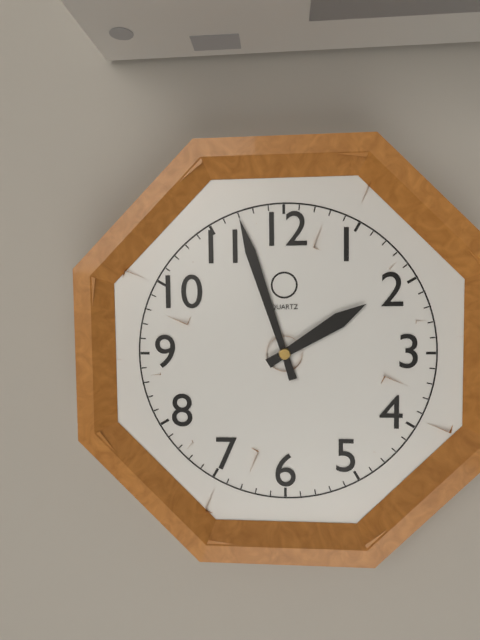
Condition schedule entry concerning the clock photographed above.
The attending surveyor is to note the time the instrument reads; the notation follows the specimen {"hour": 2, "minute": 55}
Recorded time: {"hour": 1, "minute": 57}
